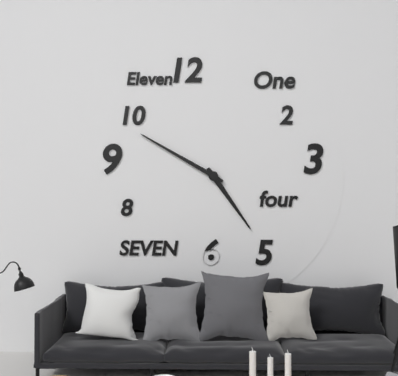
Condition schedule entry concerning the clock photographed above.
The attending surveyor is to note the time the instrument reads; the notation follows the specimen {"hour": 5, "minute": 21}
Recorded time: {"hour": 4, "minute": 50}
